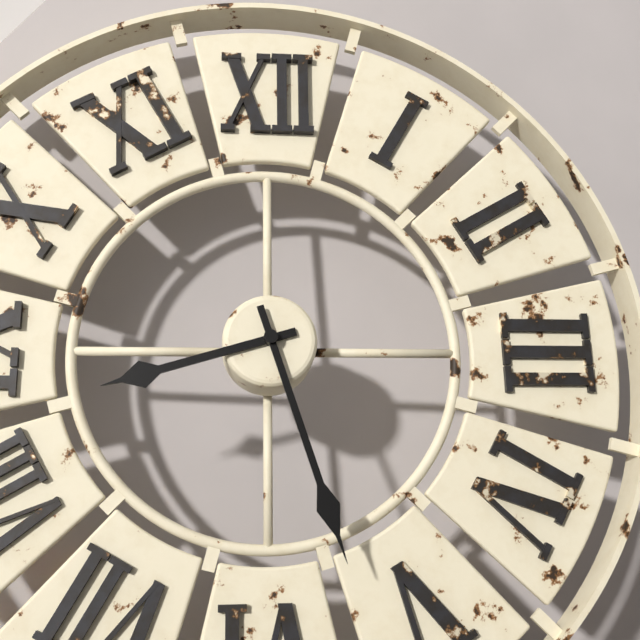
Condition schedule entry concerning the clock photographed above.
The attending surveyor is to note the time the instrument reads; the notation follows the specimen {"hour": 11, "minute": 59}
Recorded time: {"hour": 8, "minute": 27}
